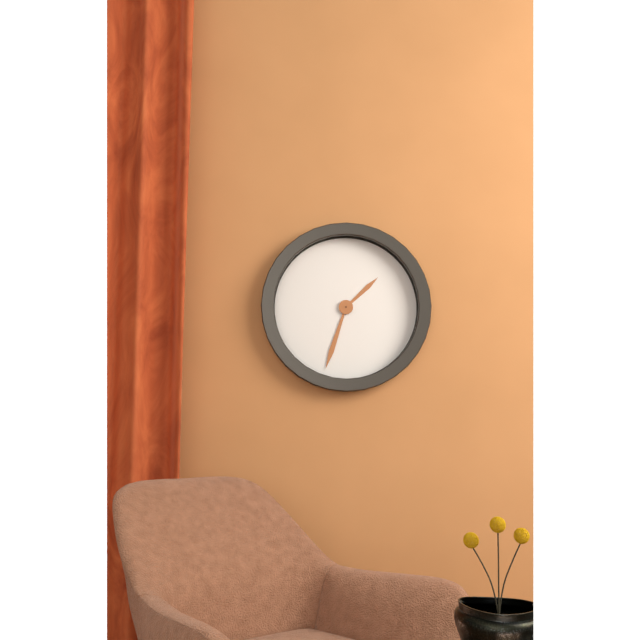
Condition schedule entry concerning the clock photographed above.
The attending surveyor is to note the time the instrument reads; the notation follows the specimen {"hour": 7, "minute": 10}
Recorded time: {"hour": 1, "minute": 33}
